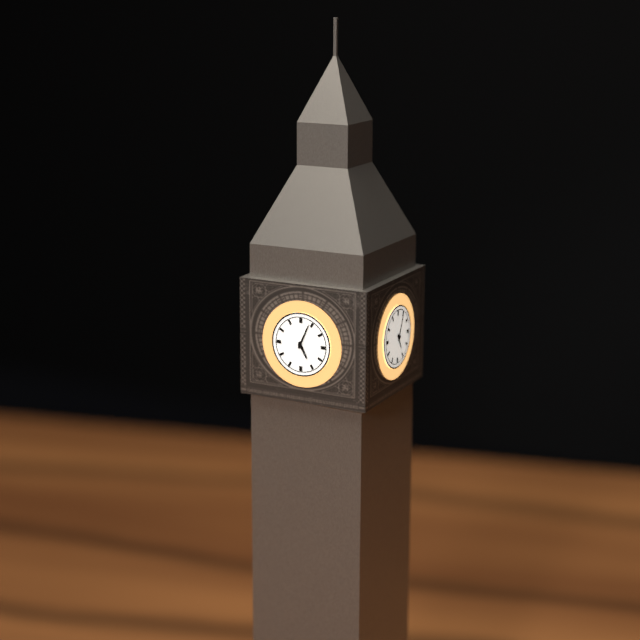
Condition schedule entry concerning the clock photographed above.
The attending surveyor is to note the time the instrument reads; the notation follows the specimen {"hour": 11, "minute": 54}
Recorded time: {"hour": 5, "minute": 4}
